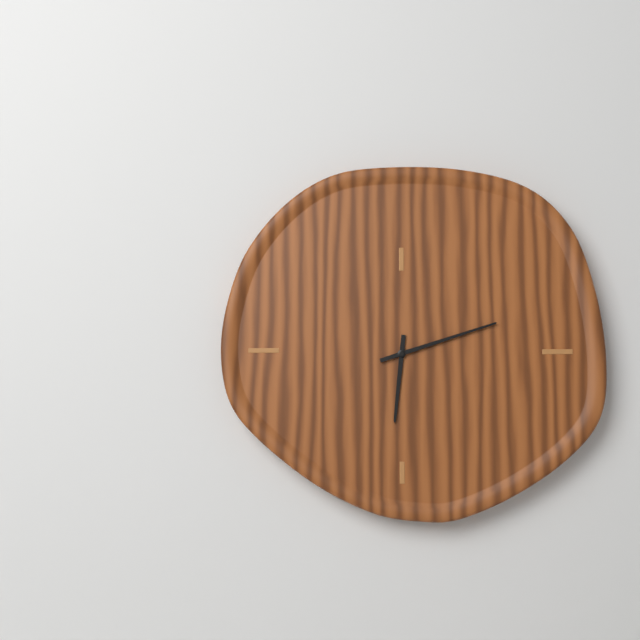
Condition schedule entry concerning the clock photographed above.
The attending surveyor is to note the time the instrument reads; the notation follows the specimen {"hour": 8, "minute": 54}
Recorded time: {"hour": 6, "minute": 12}
